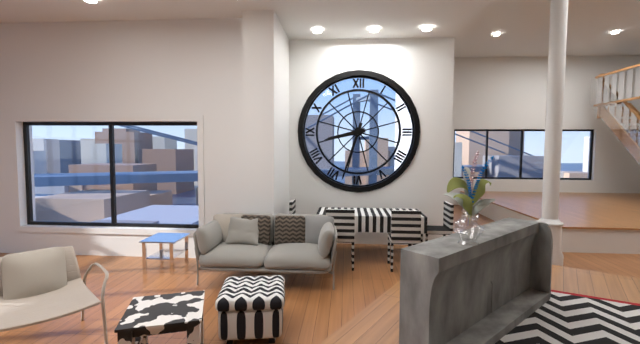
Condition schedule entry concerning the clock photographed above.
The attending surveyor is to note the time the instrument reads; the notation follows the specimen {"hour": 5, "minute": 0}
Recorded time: {"hour": 8, "minute": 33}
